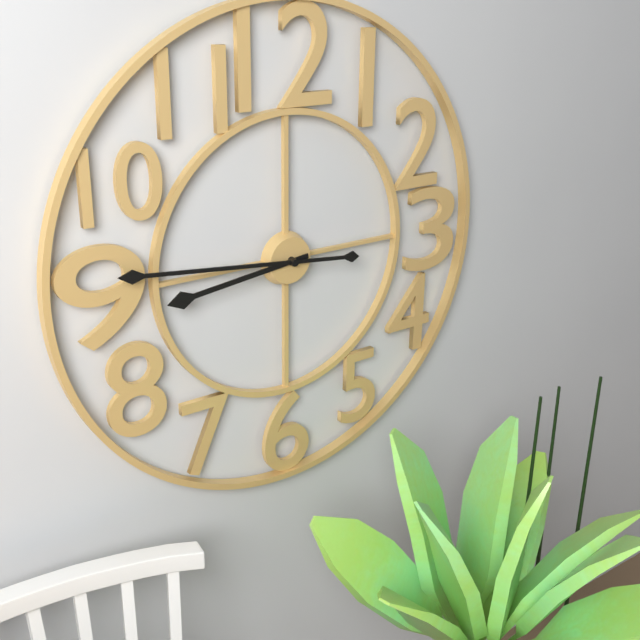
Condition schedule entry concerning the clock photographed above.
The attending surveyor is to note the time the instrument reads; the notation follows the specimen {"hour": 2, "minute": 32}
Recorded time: {"hour": 8, "minute": 46}
